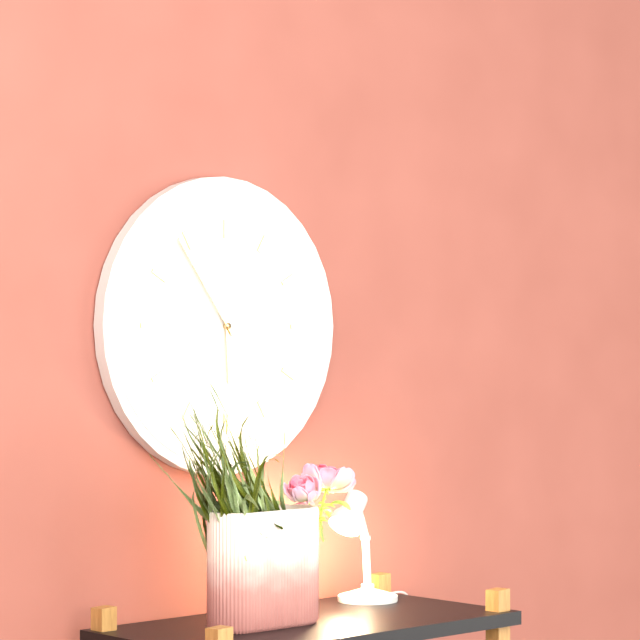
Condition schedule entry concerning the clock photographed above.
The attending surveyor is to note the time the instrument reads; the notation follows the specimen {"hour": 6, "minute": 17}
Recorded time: {"hour": 5, "minute": 54}
